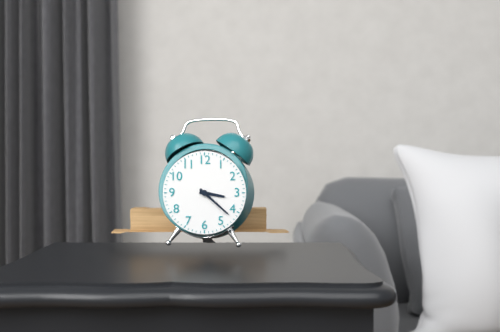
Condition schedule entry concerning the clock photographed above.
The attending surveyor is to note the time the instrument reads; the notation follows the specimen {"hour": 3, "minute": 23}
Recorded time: {"hour": 3, "minute": 22}
